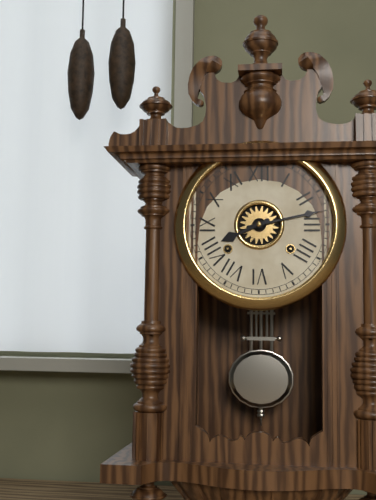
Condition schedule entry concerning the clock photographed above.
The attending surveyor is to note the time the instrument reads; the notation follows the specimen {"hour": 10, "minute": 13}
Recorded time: {"hour": 8, "minute": 13}
